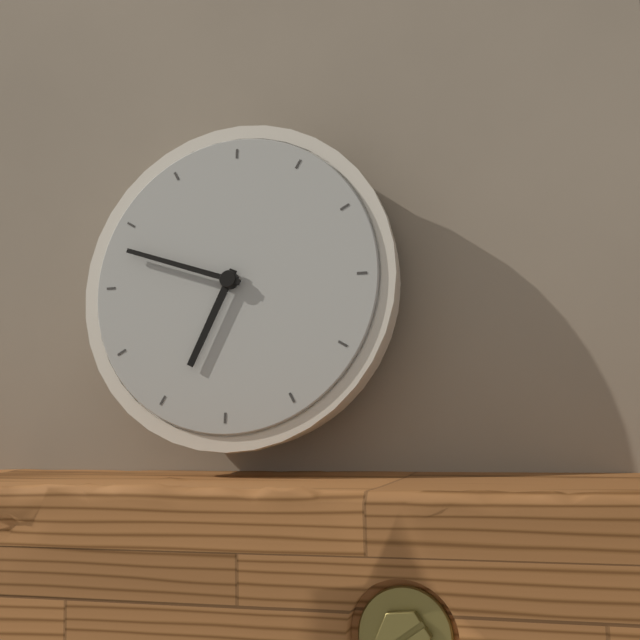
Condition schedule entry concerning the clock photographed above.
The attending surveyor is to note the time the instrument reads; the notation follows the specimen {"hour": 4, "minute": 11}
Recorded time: {"hour": 6, "minute": 48}
